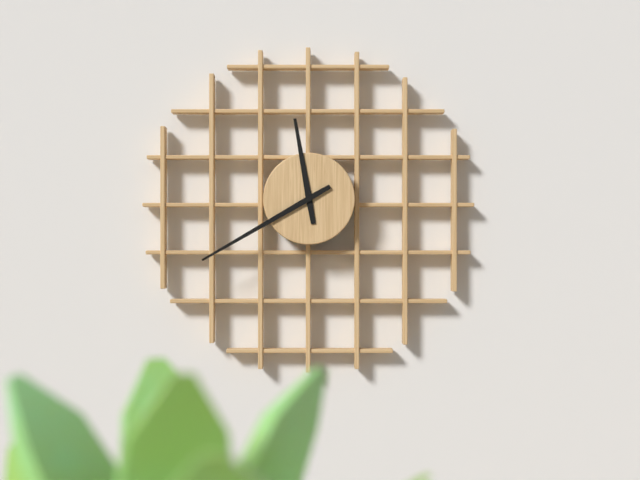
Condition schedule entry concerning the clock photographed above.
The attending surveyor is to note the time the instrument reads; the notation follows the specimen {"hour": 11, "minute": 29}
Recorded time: {"hour": 11, "minute": 40}
